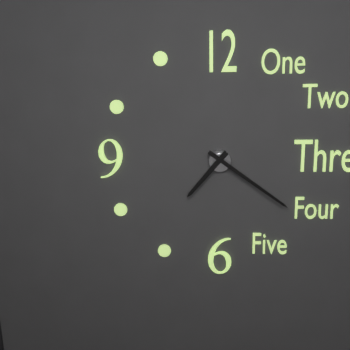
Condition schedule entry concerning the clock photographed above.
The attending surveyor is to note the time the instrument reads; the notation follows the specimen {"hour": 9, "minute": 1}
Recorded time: {"hour": 7, "minute": 21}
